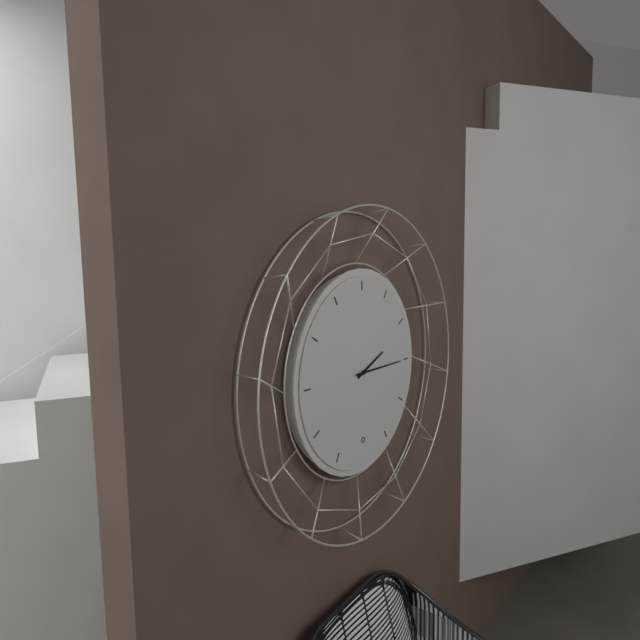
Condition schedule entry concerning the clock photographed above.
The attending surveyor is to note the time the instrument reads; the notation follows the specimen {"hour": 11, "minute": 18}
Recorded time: {"hour": 2, "minute": 15}
